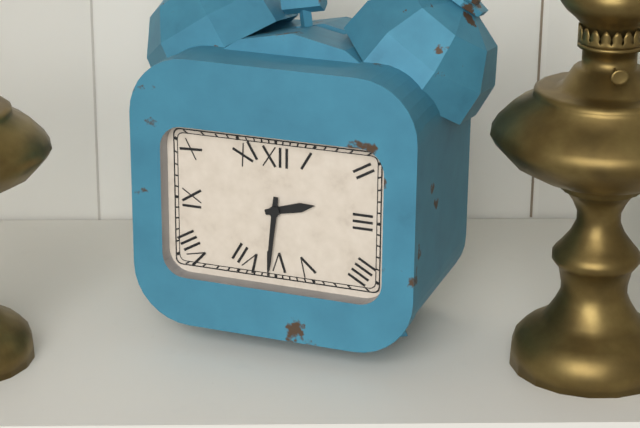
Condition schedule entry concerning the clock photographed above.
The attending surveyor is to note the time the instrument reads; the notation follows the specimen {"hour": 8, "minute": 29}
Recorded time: {"hour": 2, "minute": 31}
